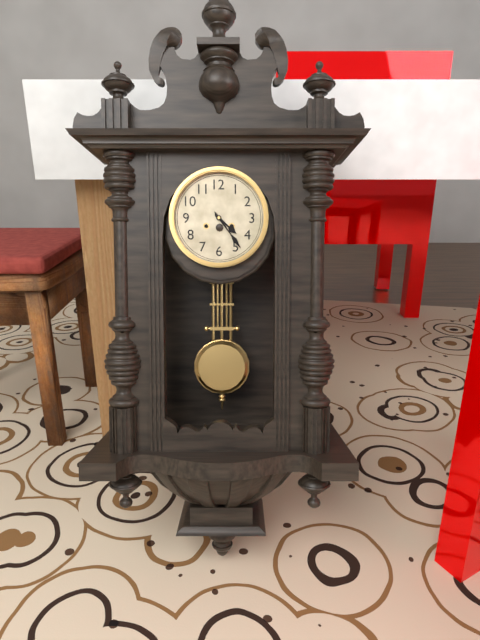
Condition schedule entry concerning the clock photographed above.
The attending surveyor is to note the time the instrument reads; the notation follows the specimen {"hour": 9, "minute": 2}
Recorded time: {"hour": 4, "minute": 24}
